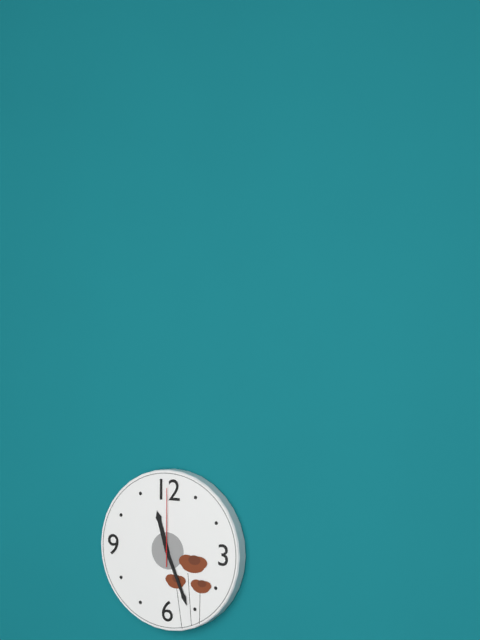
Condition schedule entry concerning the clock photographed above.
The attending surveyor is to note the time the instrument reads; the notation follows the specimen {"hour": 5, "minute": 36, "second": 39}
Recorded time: {"hour": 11, "minute": 26, "second": 0}
